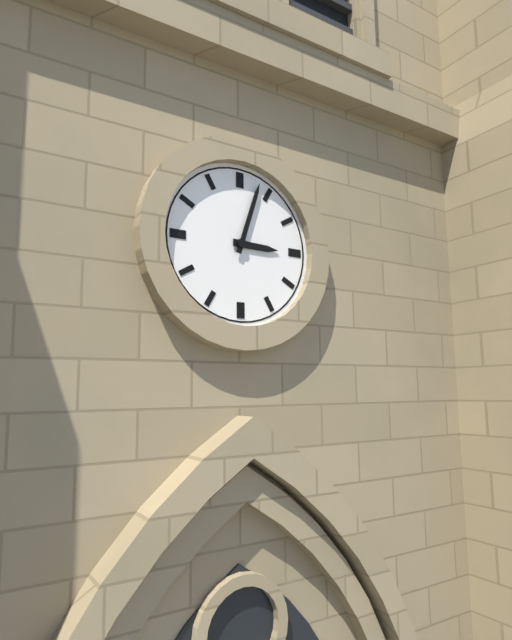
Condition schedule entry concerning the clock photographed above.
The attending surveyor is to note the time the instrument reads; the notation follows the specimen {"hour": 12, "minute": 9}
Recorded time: {"hour": 3, "minute": 3}
